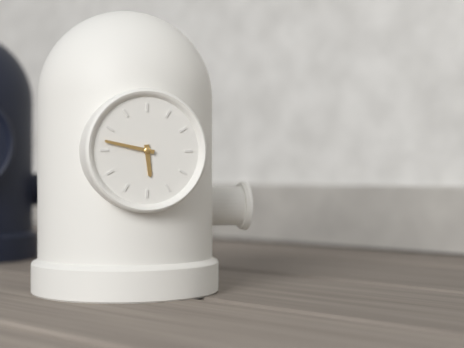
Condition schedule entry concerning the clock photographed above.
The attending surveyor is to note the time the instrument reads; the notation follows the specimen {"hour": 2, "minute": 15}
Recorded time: {"hour": 5, "minute": 47}
